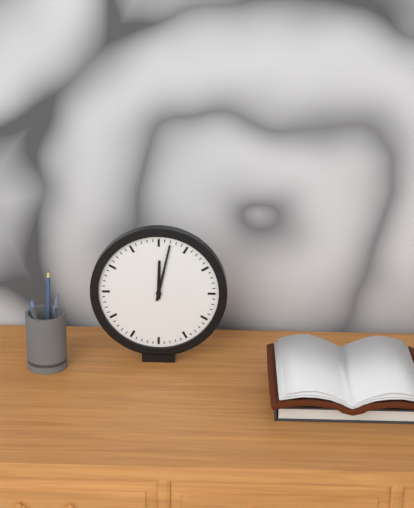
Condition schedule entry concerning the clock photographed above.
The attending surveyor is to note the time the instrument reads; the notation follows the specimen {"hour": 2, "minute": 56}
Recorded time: {"hour": 12, "minute": 2}
